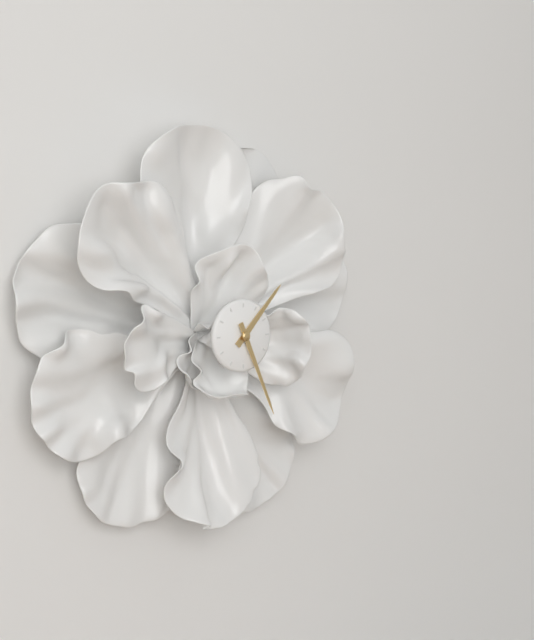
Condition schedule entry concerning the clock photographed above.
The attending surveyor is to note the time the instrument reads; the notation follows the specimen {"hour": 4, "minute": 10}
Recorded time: {"hour": 1, "minute": 26}
